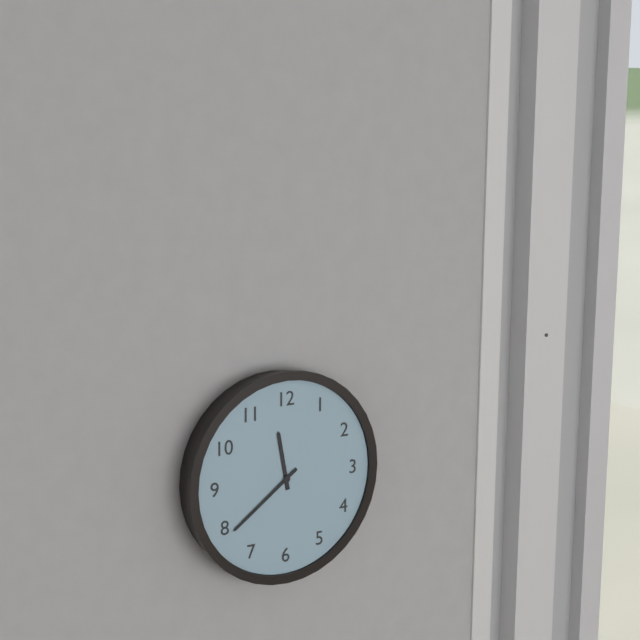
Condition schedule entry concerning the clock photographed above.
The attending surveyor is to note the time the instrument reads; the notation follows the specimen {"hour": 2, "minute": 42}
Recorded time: {"hour": 11, "minute": 39}
